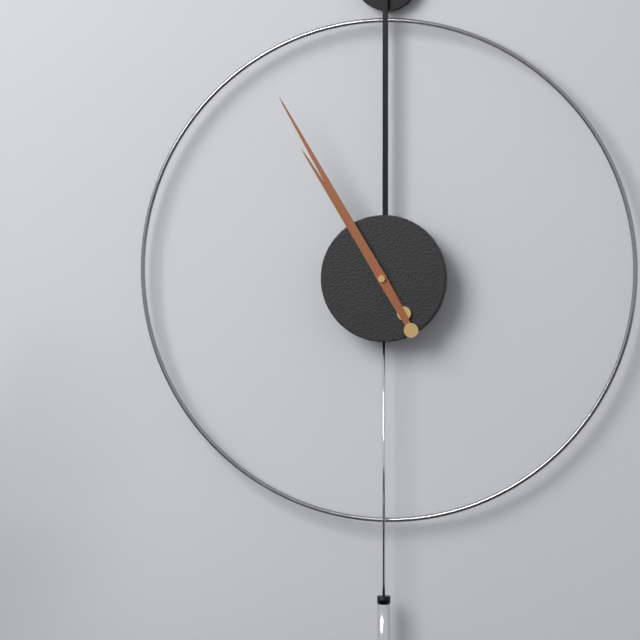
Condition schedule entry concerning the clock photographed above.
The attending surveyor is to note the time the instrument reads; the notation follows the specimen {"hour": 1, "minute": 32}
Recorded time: {"hour": 10, "minute": 55}
